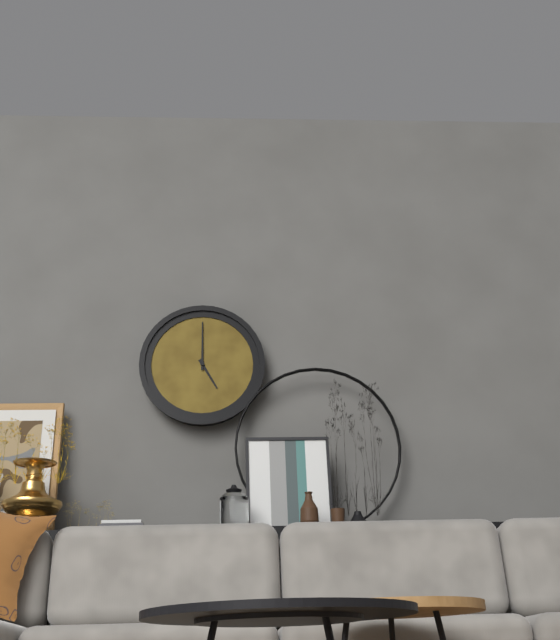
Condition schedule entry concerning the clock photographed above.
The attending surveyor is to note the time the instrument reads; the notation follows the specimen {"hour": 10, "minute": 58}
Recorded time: {"hour": 5, "minute": 0}
